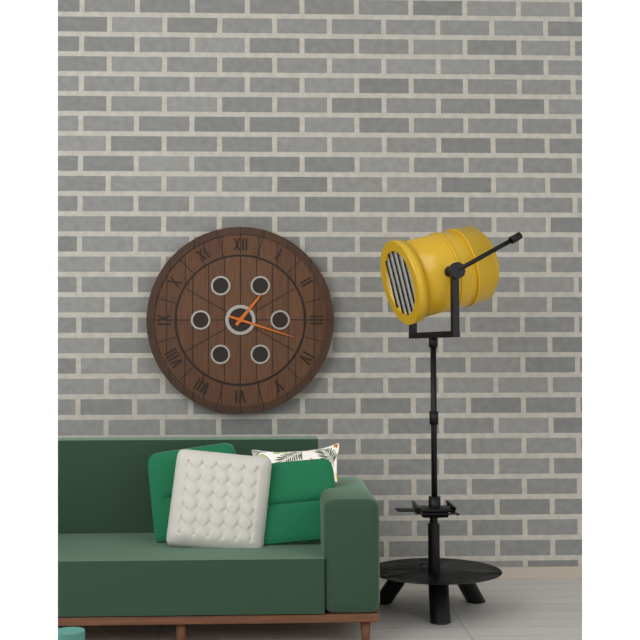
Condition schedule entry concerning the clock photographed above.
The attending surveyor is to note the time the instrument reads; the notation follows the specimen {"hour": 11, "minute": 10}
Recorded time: {"hour": 1, "minute": 18}
